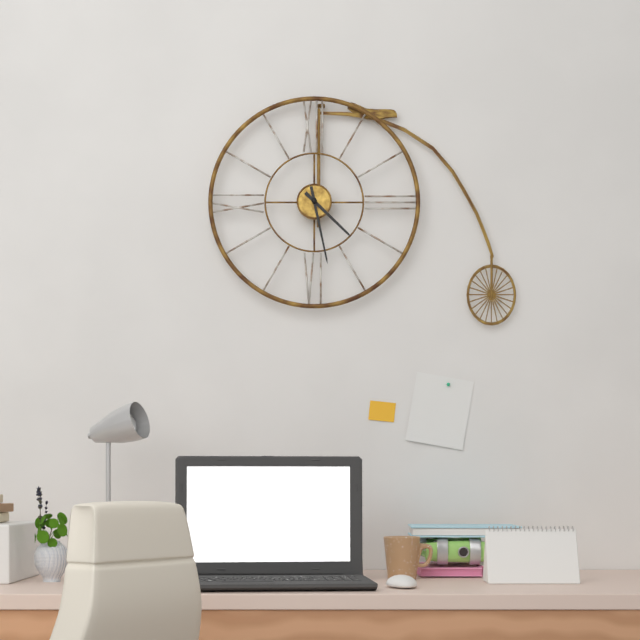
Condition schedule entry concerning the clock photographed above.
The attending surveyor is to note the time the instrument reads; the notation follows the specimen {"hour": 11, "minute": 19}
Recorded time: {"hour": 4, "minute": 28}
